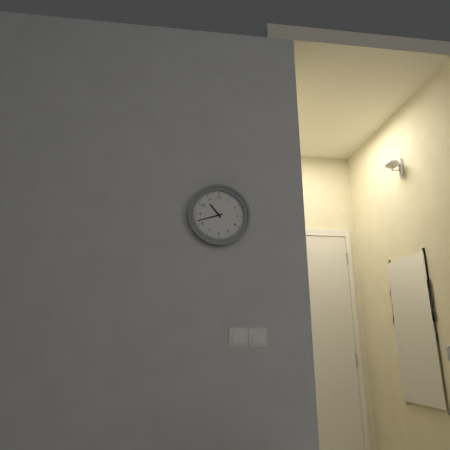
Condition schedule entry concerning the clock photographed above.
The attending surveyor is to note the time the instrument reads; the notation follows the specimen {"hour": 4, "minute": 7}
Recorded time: {"hour": 10, "minute": 42}
